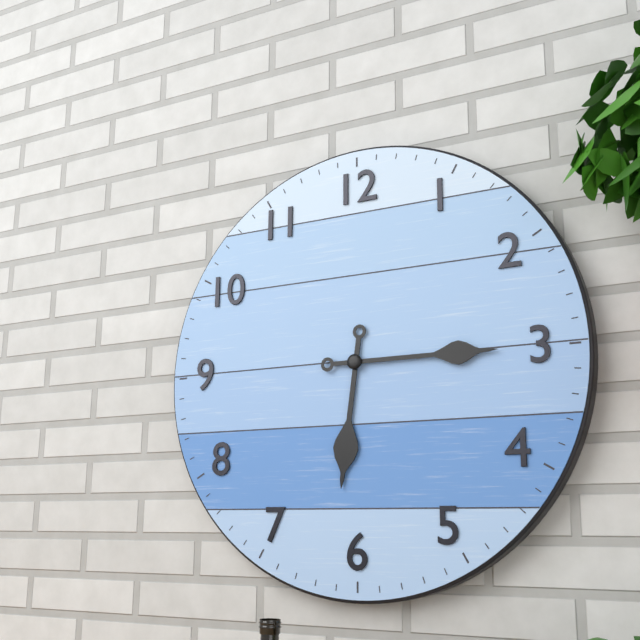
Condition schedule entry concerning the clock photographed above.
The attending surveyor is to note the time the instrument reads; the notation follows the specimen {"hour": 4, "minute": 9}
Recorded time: {"hour": 6, "minute": 15}
